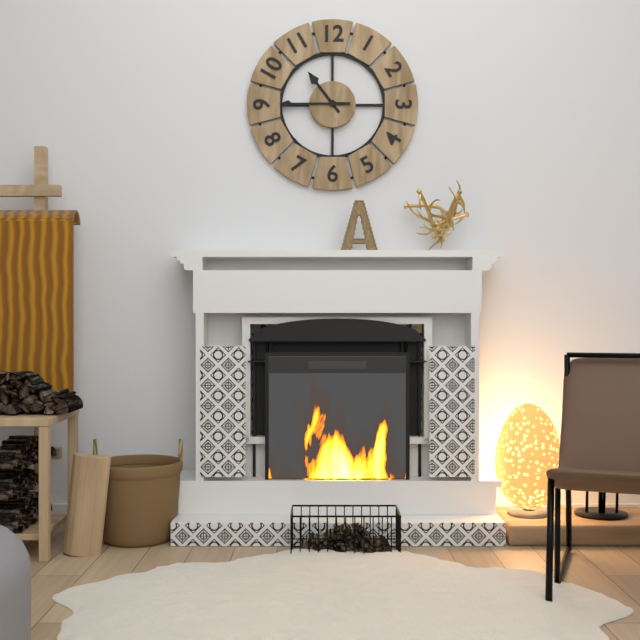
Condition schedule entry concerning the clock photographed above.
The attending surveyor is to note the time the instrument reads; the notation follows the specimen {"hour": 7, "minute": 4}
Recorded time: {"hour": 10, "minute": 45}
